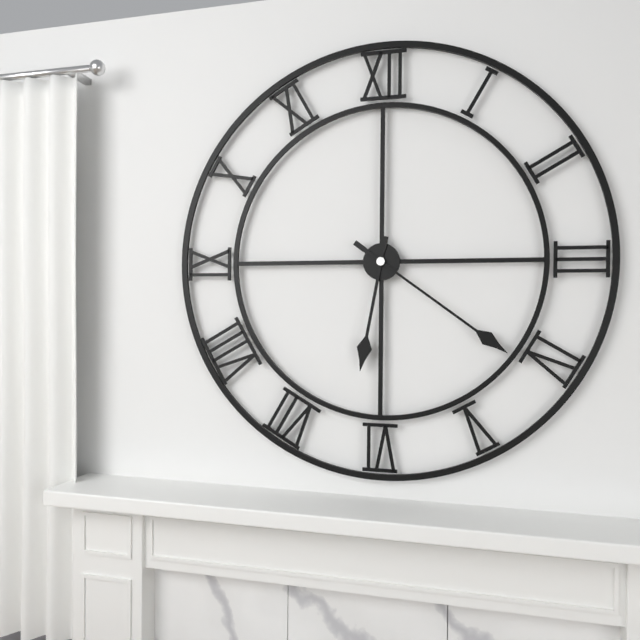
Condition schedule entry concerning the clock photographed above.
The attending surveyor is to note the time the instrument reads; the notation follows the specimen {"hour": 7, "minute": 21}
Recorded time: {"hour": 6, "minute": 21}
